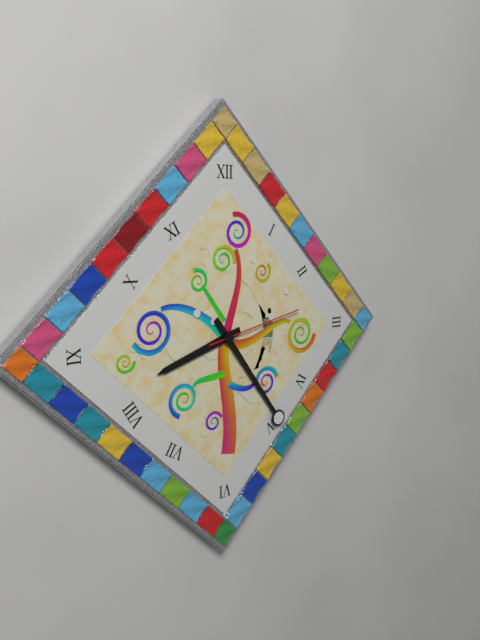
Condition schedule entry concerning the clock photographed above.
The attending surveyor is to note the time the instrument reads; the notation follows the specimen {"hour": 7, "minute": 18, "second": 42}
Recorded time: {"hour": 8, "minute": 24, "second": 13}
